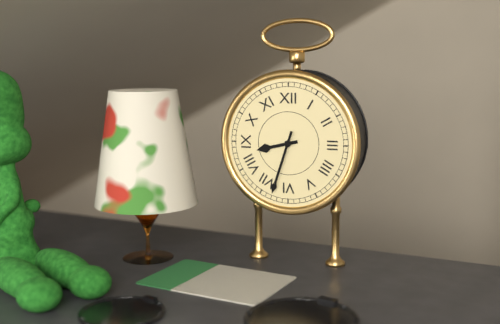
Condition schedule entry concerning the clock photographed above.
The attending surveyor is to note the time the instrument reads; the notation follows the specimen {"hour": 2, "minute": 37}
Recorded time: {"hour": 8, "minute": 33}
